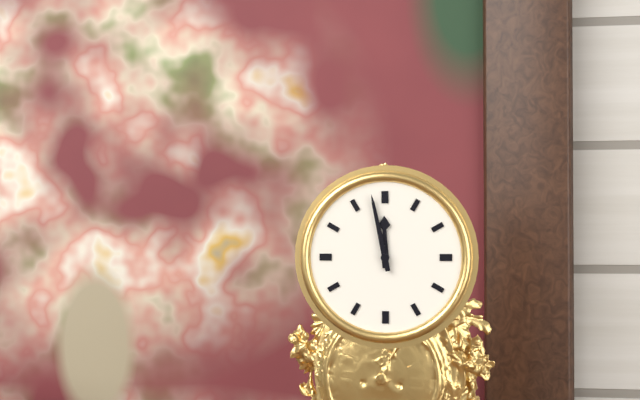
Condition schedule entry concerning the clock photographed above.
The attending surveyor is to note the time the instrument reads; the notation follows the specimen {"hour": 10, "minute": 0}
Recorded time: {"hour": 11, "minute": 58}
